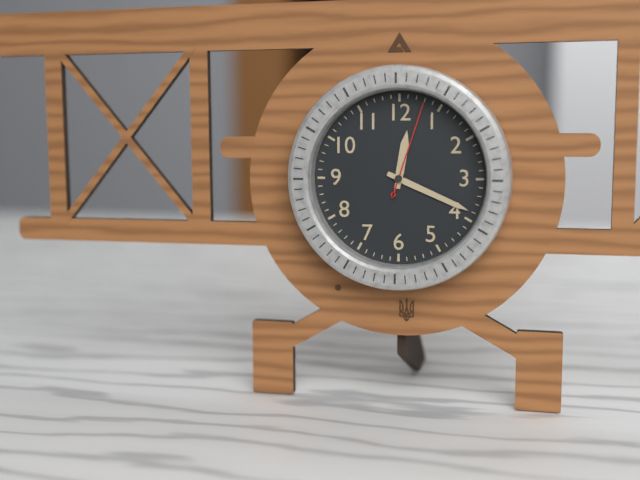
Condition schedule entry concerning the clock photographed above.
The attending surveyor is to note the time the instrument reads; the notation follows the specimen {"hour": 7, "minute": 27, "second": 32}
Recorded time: {"hour": 12, "minute": 19, "second": 3}
